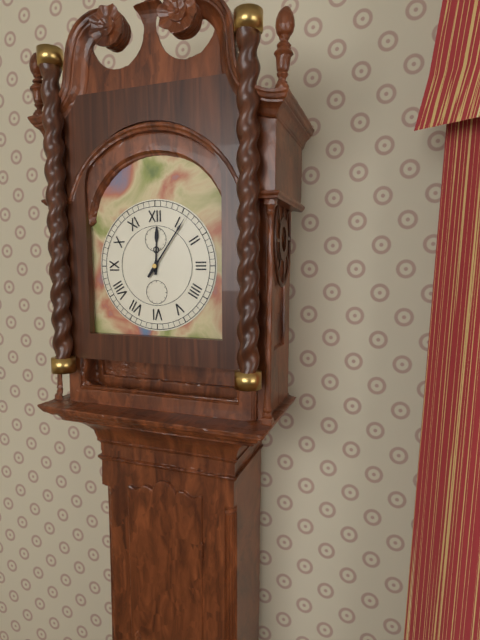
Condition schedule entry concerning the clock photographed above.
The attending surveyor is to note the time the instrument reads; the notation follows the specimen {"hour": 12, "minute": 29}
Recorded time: {"hour": 12, "minute": 6}
